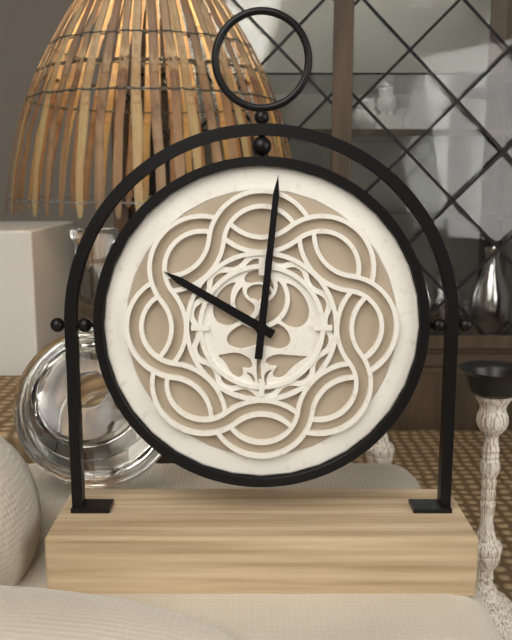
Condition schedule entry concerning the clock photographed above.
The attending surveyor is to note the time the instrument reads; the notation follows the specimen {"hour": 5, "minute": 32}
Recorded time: {"hour": 10, "minute": 1}
